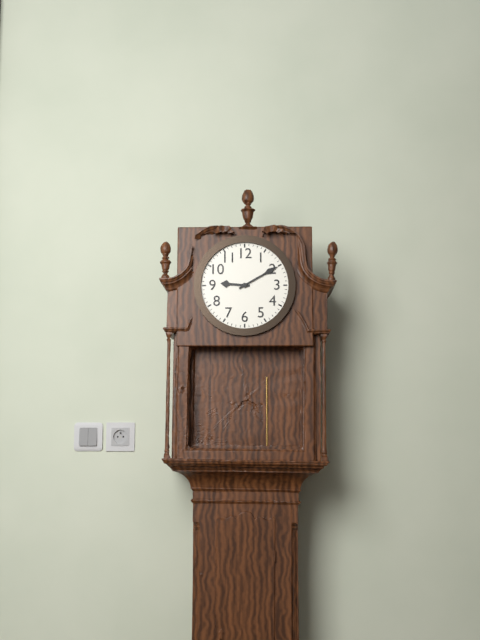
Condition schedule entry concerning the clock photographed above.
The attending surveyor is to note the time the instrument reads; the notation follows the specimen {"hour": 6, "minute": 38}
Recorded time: {"hour": 9, "minute": 10}
